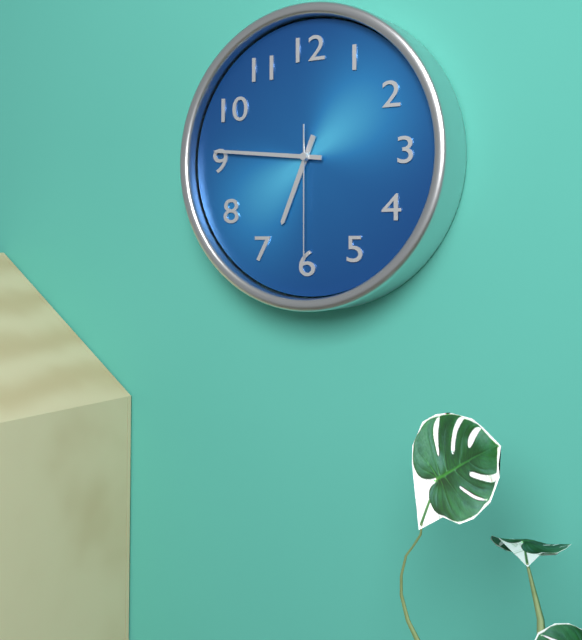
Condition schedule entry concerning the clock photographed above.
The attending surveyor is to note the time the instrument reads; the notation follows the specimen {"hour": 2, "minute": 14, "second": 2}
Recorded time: {"hour": 6, "minute": 46, "second": 30}
